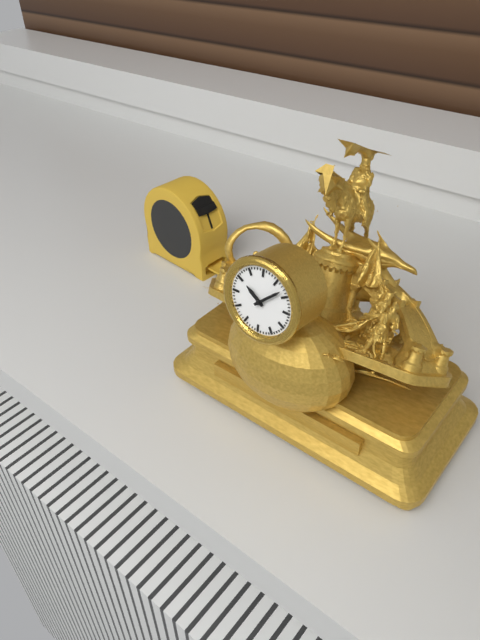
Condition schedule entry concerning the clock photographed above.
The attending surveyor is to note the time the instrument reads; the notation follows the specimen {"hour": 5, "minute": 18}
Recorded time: {"hour": 10, "minute": 8}
